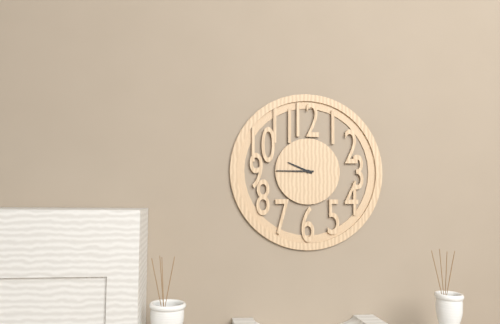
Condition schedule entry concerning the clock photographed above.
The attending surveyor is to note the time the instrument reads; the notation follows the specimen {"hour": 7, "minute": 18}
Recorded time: {"hour": 9, "minute": 45}
